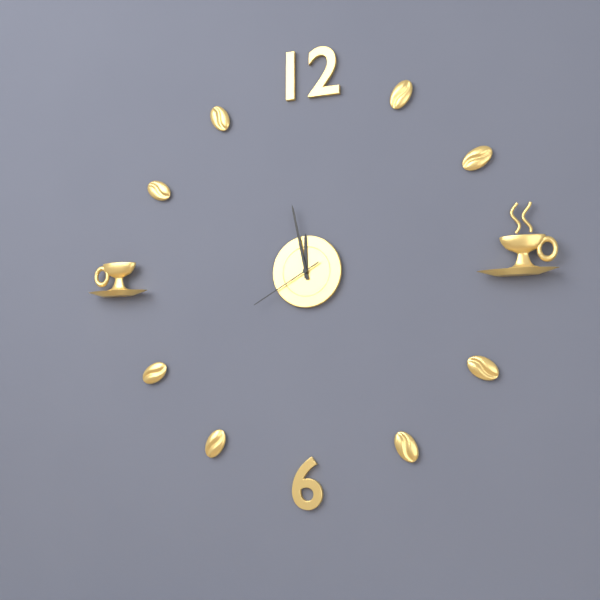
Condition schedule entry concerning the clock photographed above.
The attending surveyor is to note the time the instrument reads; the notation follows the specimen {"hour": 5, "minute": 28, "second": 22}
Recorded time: {"hour": 11, "minute": 58, "second": 40}
